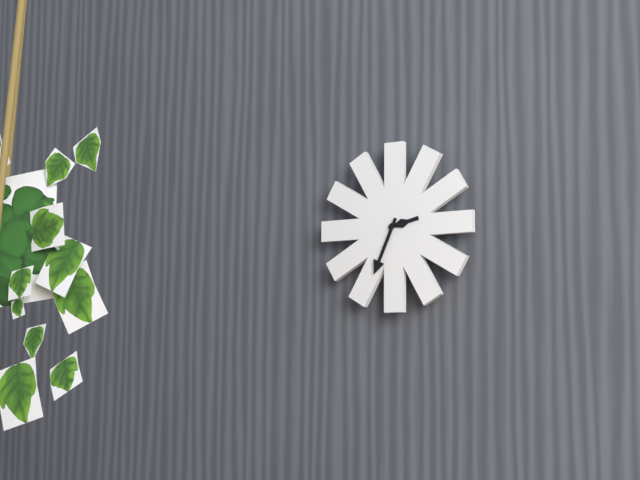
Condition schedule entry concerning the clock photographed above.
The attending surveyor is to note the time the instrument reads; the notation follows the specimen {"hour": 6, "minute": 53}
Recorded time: {"hour": 2, "minute": 34}
